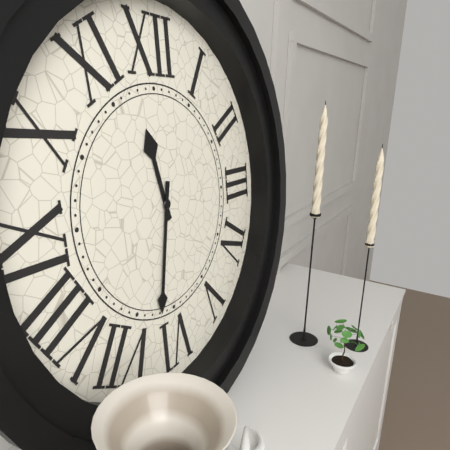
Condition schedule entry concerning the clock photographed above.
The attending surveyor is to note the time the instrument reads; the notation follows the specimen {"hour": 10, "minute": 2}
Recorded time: {"hour": 11, "minute": 32}
